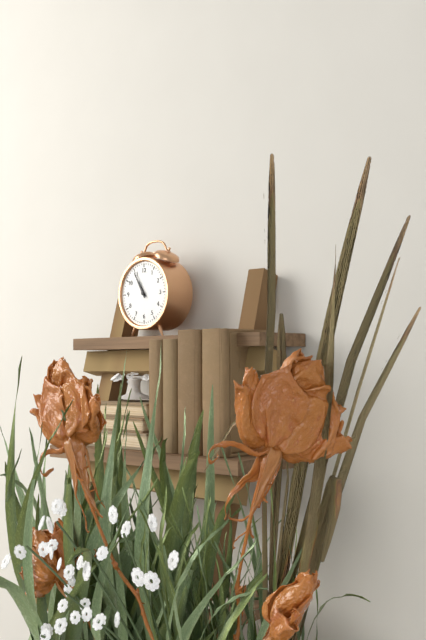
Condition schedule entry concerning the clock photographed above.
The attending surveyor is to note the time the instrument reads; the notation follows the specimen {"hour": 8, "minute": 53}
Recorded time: {"hour": 10, "minute": 55}
